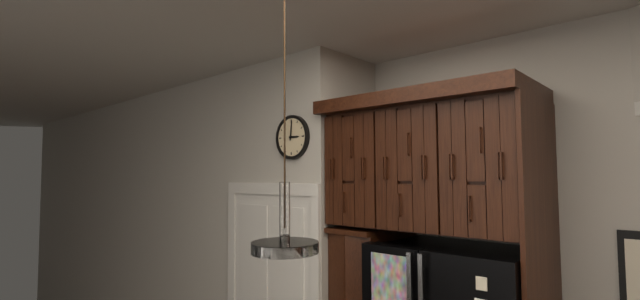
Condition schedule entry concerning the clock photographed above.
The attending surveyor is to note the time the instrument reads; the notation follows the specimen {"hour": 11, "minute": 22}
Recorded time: {"hour": 3, "minute": 1}
